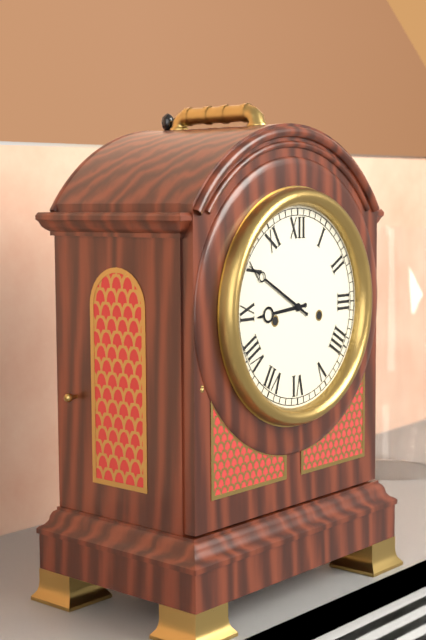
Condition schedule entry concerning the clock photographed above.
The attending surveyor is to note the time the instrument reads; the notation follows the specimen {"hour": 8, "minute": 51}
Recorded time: {"hour": 8, "minute": 50}
